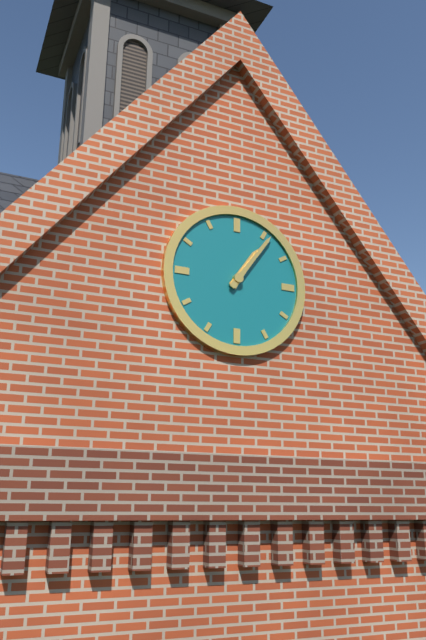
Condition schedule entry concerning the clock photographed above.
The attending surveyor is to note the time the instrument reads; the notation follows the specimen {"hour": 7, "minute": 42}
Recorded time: {"hour": 1, "minute": 6}
